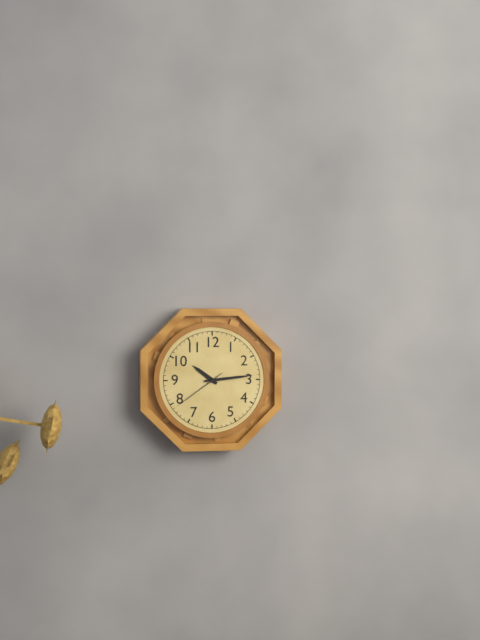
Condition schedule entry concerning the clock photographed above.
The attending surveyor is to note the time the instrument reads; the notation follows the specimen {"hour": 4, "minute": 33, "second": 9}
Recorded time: {"hour": 10, "minute": 14, "second": 39}
